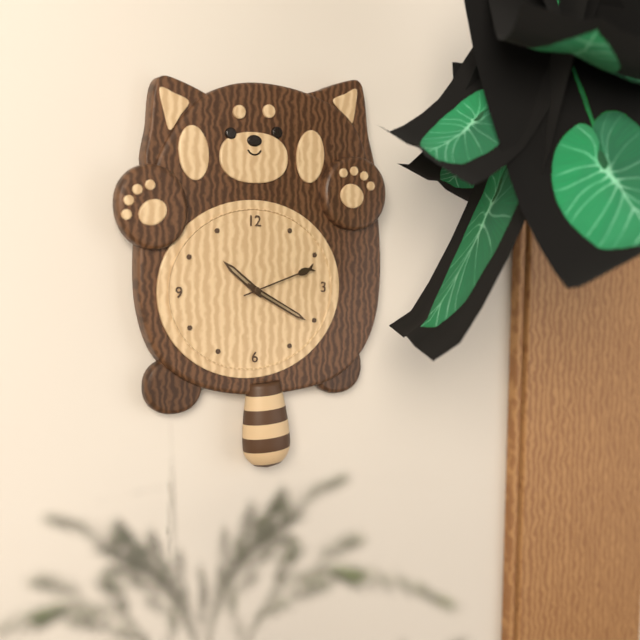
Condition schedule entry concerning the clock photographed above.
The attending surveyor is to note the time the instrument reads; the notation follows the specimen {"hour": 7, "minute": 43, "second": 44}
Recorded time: {"hour": 10, "minute": 20, "second": 12}
